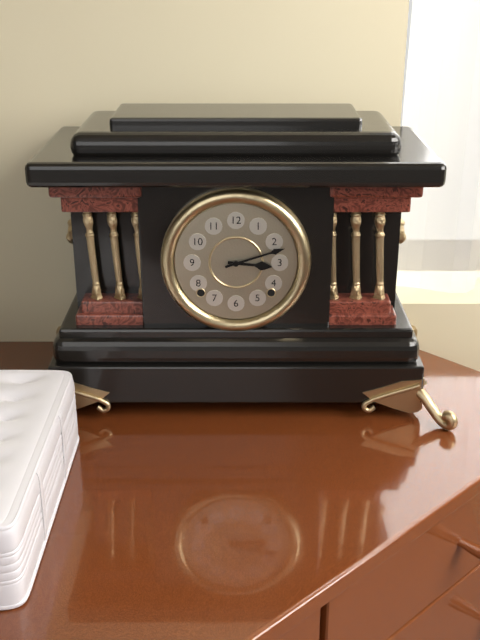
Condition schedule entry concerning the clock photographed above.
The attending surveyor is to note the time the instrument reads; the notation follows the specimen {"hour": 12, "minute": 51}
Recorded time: {"hour": 3, "minute": 12}
